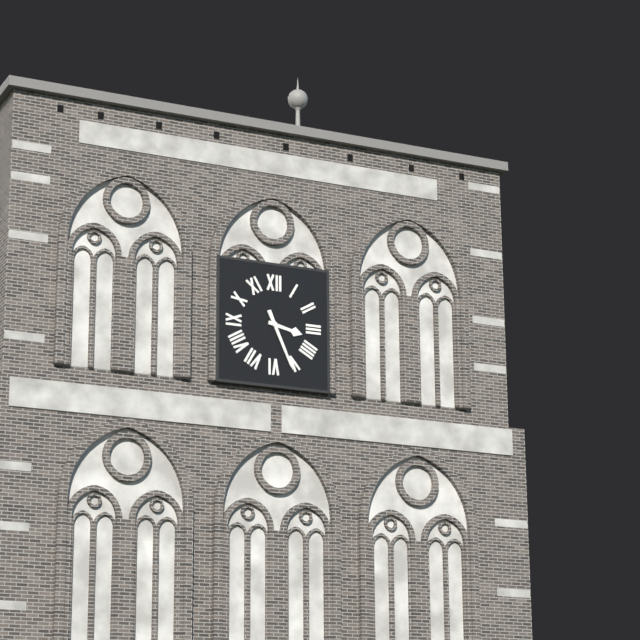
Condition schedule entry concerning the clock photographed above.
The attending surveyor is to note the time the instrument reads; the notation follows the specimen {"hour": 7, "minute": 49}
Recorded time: {"hour": 3, "minute": 26}
